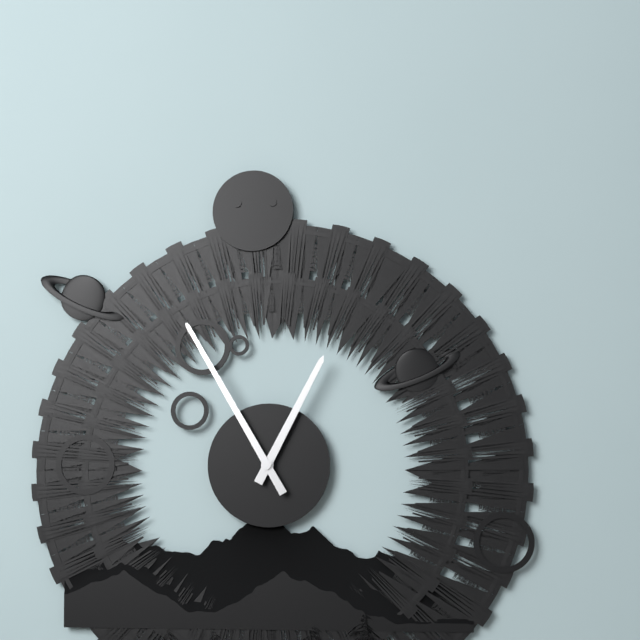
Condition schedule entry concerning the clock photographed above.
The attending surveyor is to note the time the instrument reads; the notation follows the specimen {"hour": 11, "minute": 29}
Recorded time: {"hour": 12, "minute": 55}
